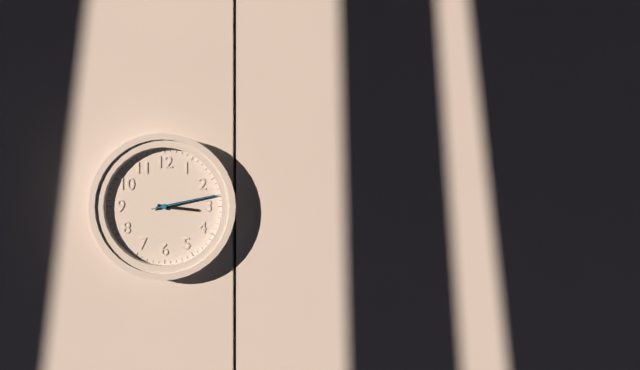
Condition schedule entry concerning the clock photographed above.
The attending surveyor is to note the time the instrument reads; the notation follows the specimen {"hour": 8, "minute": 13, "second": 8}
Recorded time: {"hour": 3, "minute": 13, "second": 13}
